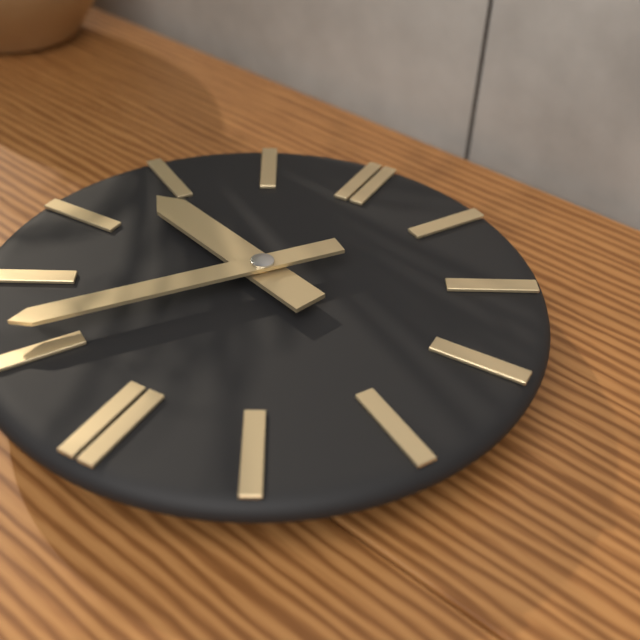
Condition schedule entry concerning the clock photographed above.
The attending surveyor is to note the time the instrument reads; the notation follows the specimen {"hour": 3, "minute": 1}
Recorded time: {"hour": 9, "minute": 36}
